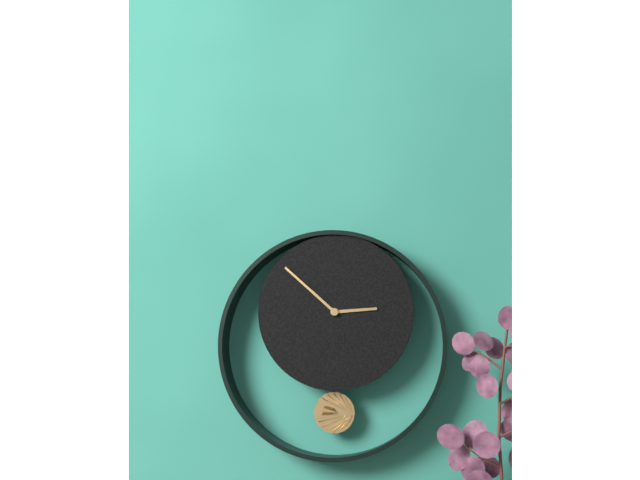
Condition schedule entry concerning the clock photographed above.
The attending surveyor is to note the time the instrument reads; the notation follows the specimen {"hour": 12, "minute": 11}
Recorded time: {"hour": 2, "minute": 52}
